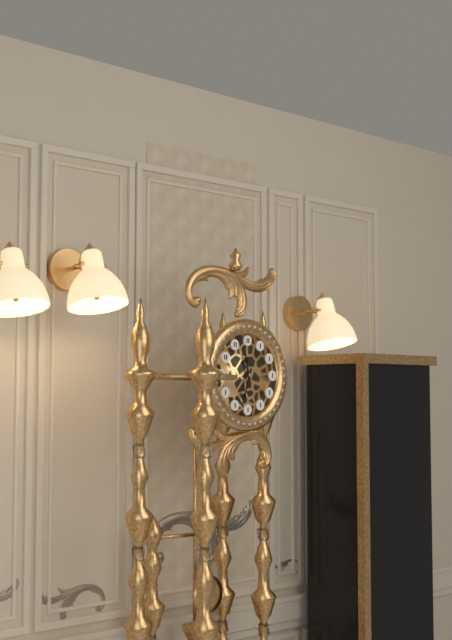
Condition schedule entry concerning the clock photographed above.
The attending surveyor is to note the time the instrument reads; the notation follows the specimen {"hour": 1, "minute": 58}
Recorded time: {"hour": 11, "minute": 33}
